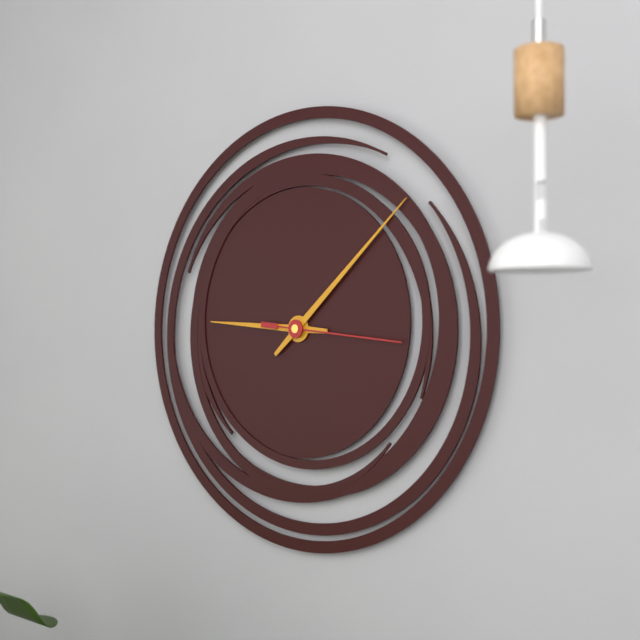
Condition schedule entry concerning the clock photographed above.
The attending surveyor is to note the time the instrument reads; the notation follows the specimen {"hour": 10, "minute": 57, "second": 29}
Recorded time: {"hour": 9, "minute": 8, "second": 16}
